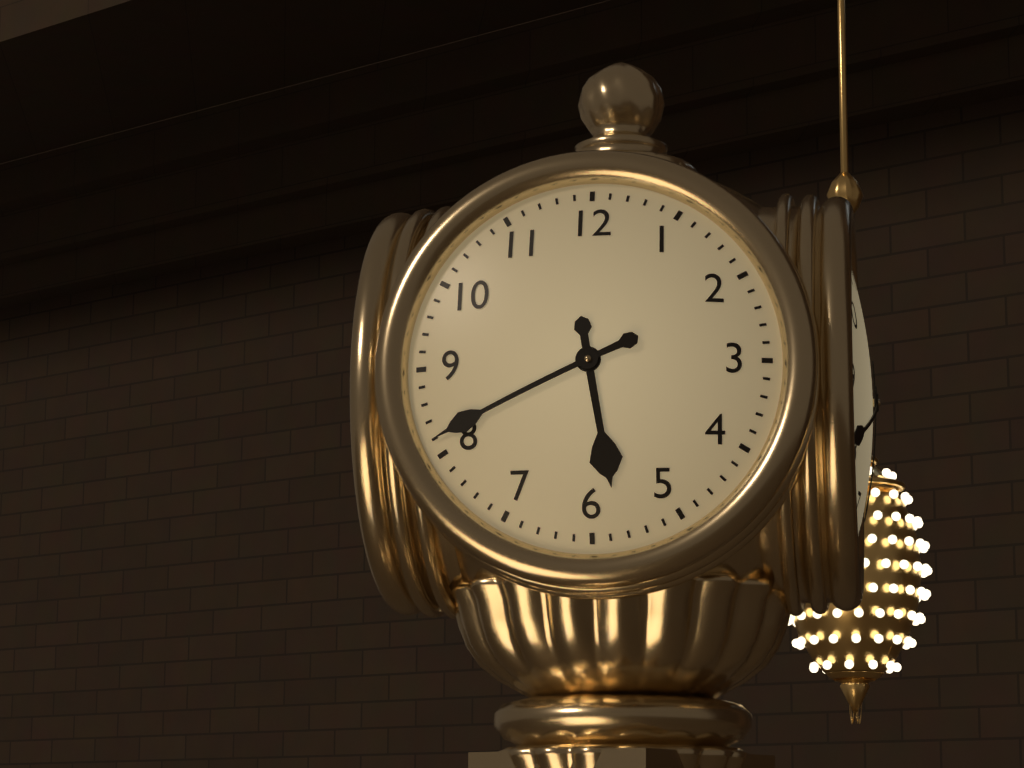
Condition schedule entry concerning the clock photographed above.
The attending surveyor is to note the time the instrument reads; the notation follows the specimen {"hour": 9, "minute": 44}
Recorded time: {"hour": 5, "minute": 41}
